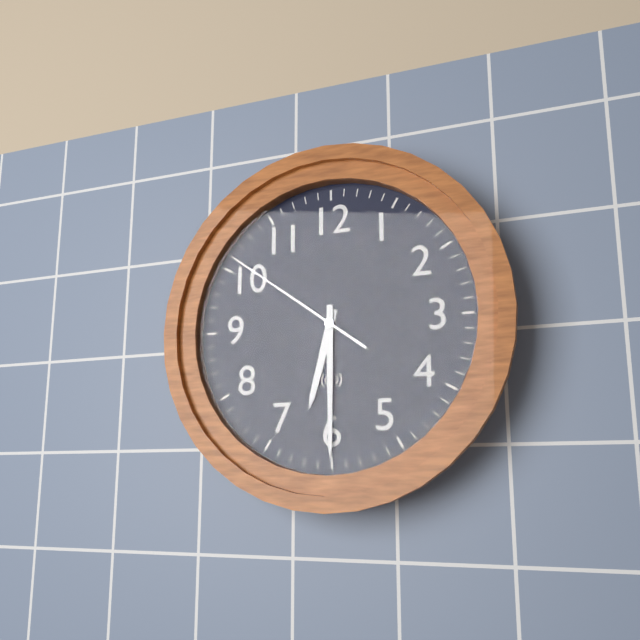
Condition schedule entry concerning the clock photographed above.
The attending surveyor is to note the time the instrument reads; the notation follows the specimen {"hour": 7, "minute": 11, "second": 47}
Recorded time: {"hour": 6, "minute": 30, "second": 51}
